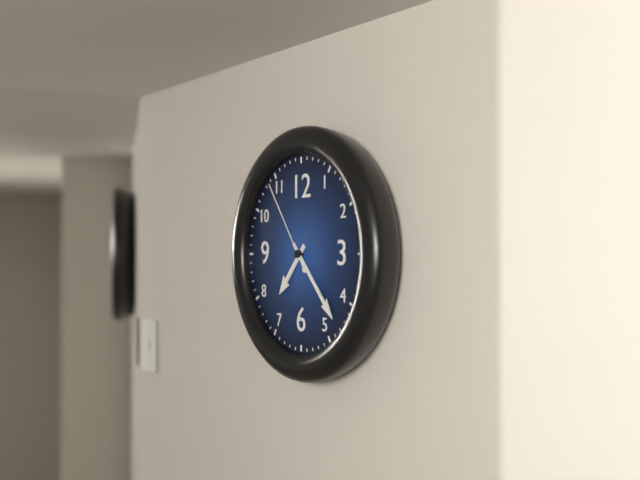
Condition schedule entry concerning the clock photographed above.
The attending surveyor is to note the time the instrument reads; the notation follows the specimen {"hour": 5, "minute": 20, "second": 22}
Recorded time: {"hour": 7, "minute": 23, "second": 54}
